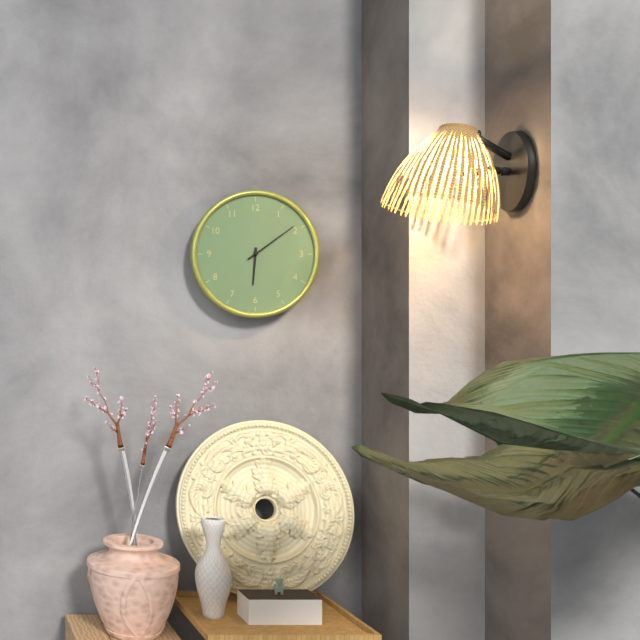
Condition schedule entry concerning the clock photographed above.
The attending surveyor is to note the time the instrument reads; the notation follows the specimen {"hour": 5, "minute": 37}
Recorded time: {"hour": 6, "minute": 9}
